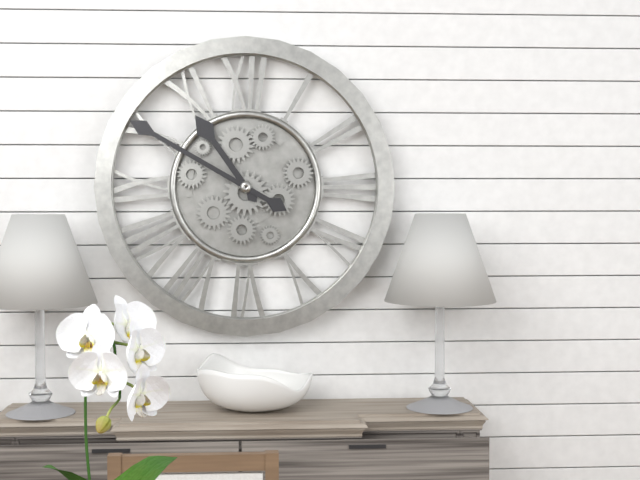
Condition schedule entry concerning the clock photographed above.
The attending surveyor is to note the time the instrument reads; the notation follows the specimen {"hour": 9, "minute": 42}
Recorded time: {"hour": 10, "minute": 50}
